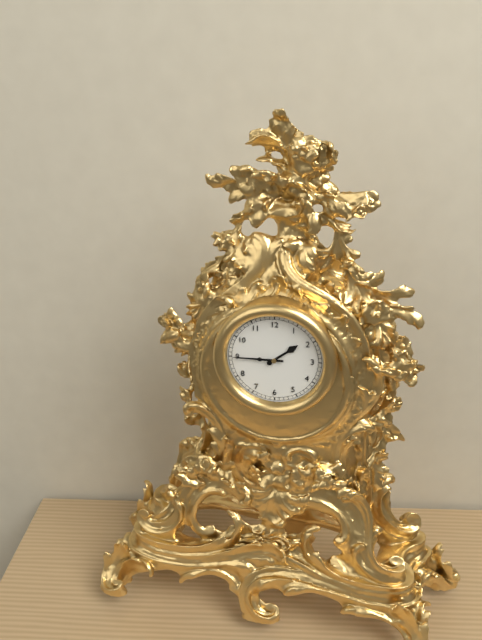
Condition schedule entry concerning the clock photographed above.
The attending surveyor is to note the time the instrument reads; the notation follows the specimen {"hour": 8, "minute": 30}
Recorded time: {"hour": 1, "minute": 45}
